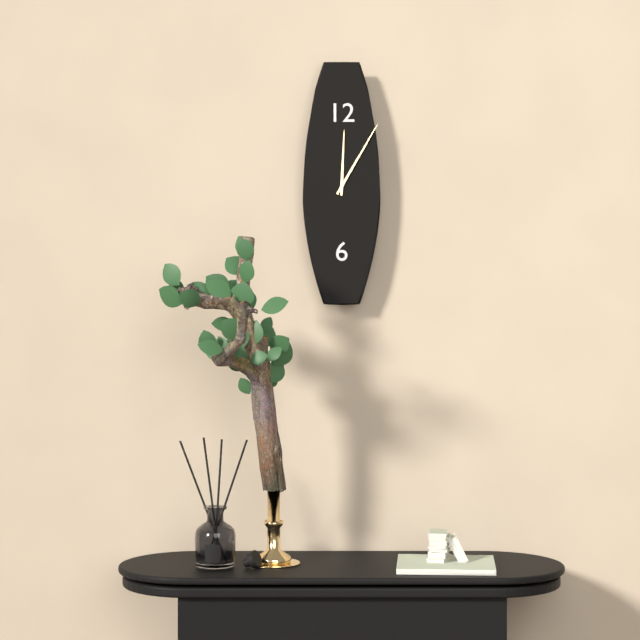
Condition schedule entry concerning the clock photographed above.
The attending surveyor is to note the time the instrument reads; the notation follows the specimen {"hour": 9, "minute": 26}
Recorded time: {"hour": 12, "minute": 5}
